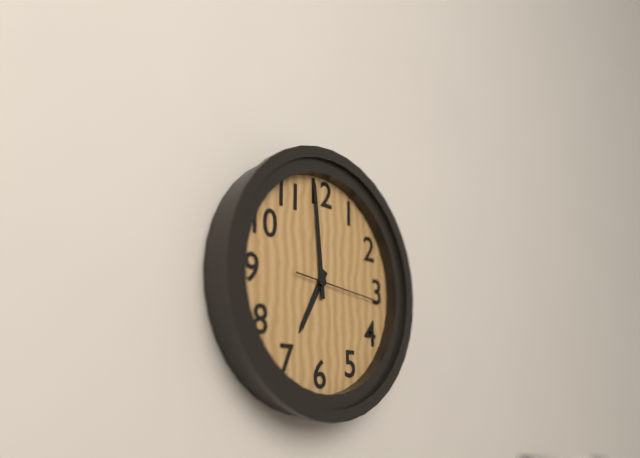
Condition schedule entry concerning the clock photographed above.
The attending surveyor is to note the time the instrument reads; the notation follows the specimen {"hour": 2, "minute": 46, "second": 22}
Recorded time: {"hour": 6, "minute": 59, "second": 16}
